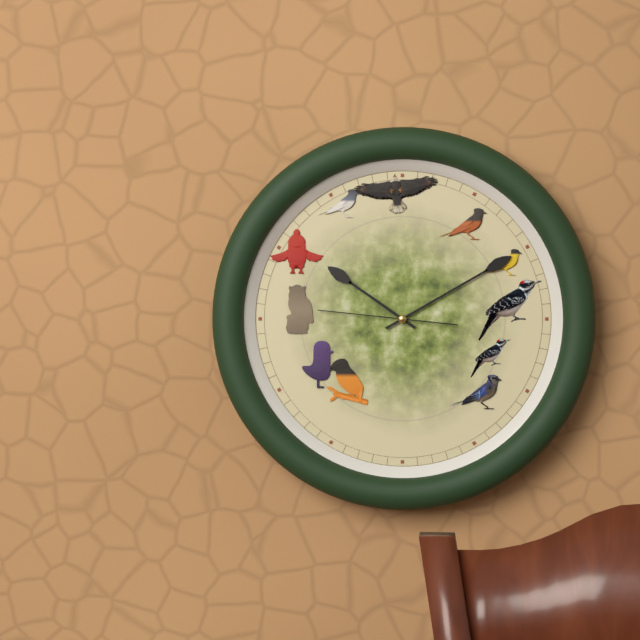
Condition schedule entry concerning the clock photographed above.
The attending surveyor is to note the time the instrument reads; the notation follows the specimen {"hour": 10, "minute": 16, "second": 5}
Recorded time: {"hour": 10, "minute": 10, "second": 46}
